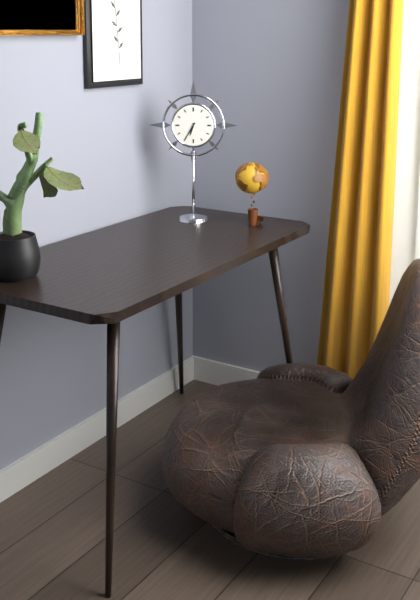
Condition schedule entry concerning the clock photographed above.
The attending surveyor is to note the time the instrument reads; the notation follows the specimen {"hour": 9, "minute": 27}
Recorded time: {"hour": 6, "minute": 35}
